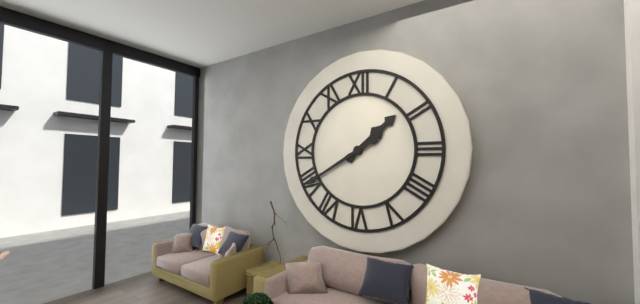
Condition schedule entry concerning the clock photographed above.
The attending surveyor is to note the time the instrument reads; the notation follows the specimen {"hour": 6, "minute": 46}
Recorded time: {"hour": 1, "minute": 40}
